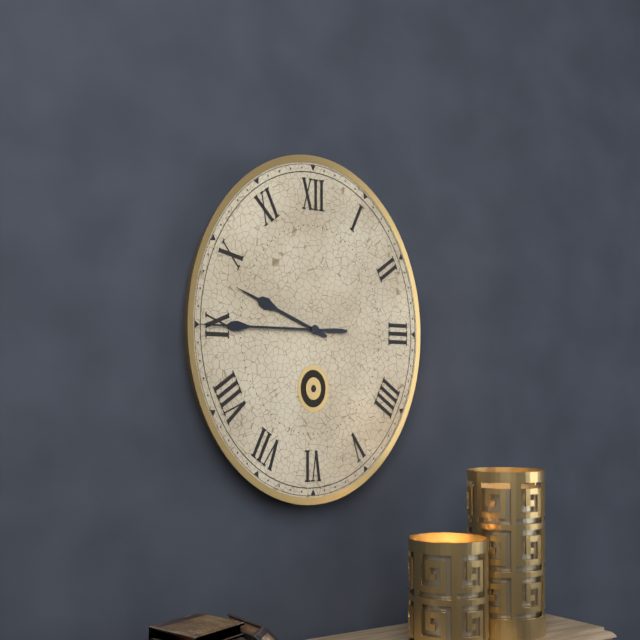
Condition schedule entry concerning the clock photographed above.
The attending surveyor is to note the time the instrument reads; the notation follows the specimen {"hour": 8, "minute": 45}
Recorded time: {"hour": 9, "minute": 45}
